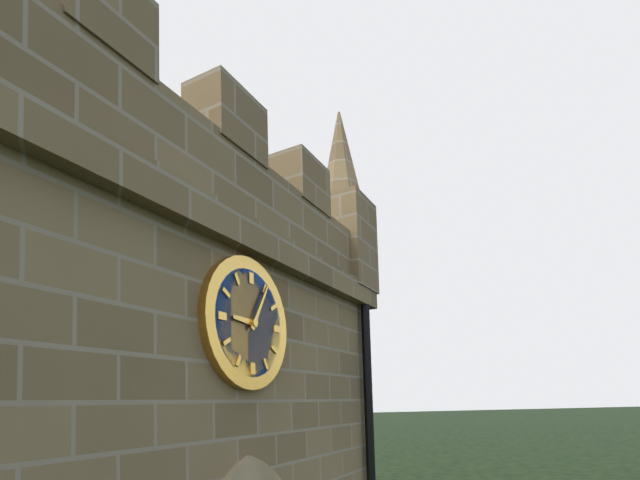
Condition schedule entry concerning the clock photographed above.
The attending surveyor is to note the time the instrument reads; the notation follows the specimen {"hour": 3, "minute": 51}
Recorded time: {"hour": 9, "minute": 5}
